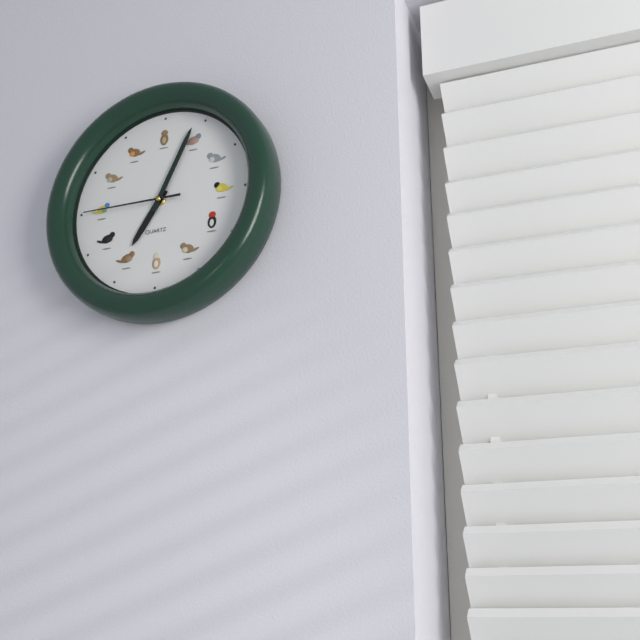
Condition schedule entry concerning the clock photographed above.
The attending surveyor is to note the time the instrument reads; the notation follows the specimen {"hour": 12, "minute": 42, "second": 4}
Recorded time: {"hour": 7, "minute": 4, "second": 45}
